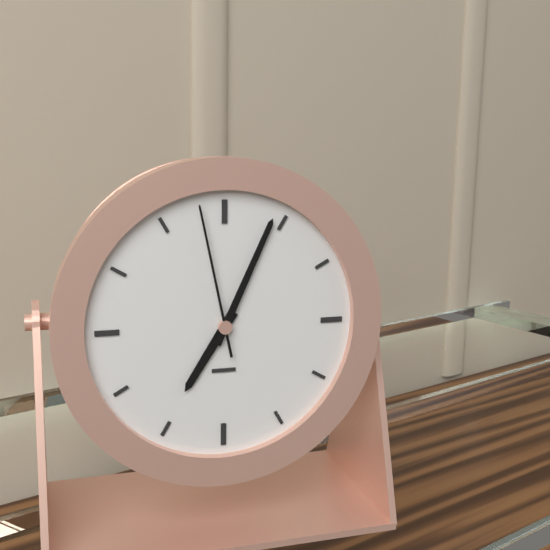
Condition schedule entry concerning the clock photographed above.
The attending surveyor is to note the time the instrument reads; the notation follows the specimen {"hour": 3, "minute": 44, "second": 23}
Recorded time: {"hour": 7, "minute": 4, "second": 58}
